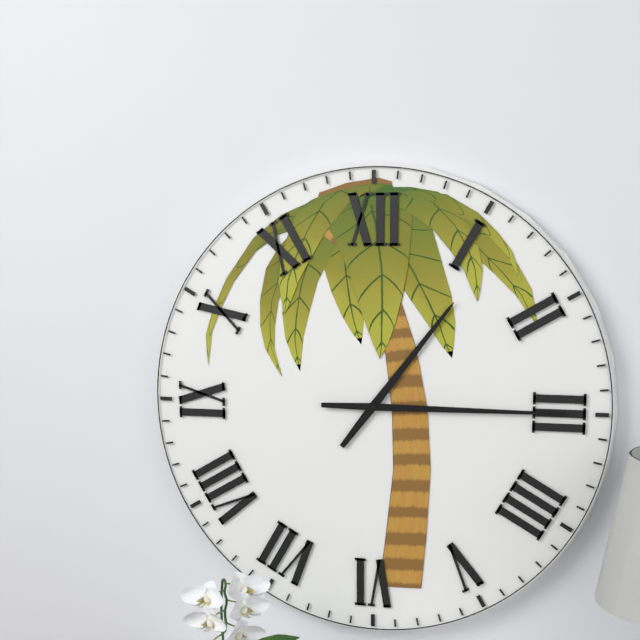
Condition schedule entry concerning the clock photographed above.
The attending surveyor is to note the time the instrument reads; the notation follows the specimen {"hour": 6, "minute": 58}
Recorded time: {"hour": 1, "minute": 15}
